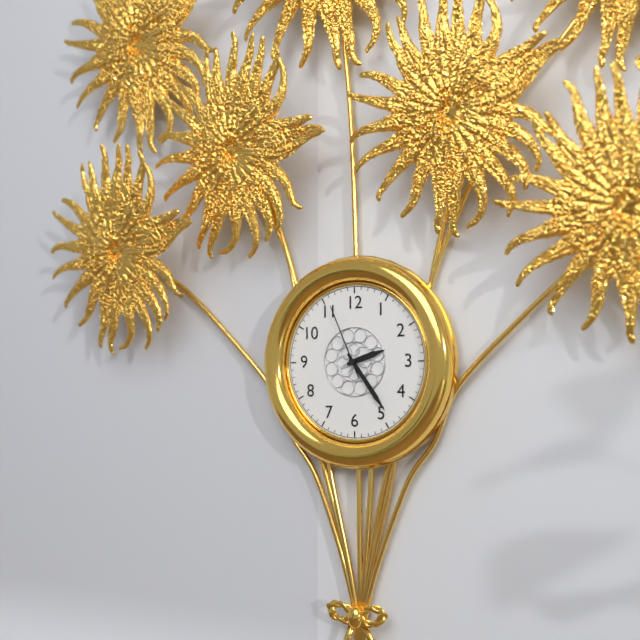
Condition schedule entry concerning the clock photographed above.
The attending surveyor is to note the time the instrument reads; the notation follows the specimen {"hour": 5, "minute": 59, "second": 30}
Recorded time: {"hour": 2, "minute": 24, "second": 56}
